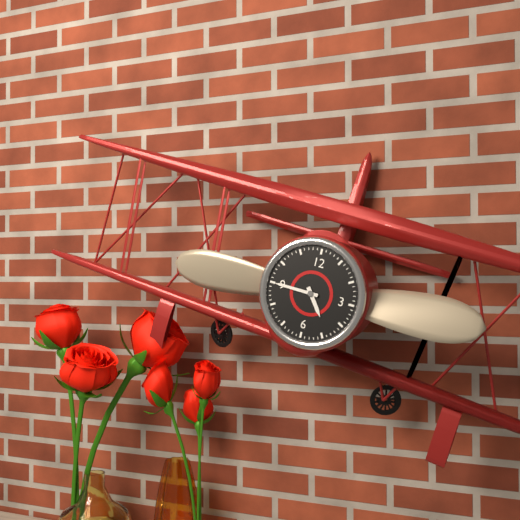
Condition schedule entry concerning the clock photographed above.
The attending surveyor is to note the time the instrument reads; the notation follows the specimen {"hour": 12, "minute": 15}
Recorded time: {"hour": 4, "minute": 45}
